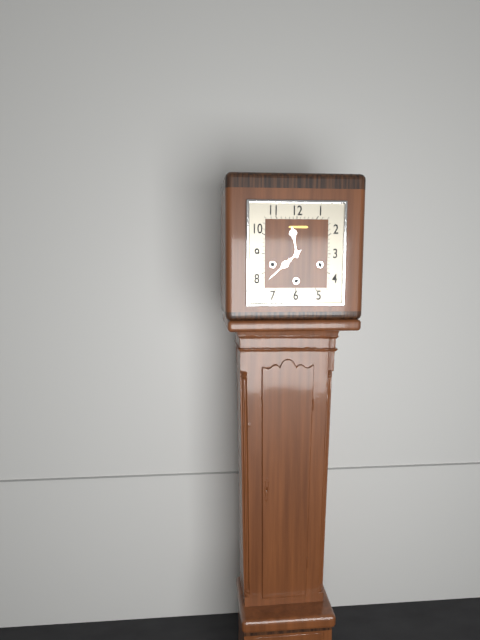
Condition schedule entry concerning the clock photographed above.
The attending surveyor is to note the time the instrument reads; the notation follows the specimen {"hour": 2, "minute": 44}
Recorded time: {"hour": 11, "minute": 38}
